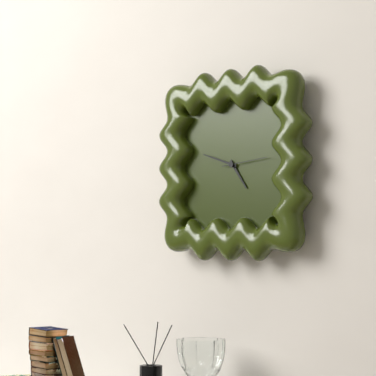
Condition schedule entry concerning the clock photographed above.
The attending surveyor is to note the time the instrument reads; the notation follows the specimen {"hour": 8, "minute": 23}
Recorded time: {"hour": 4, "minute": 48}
